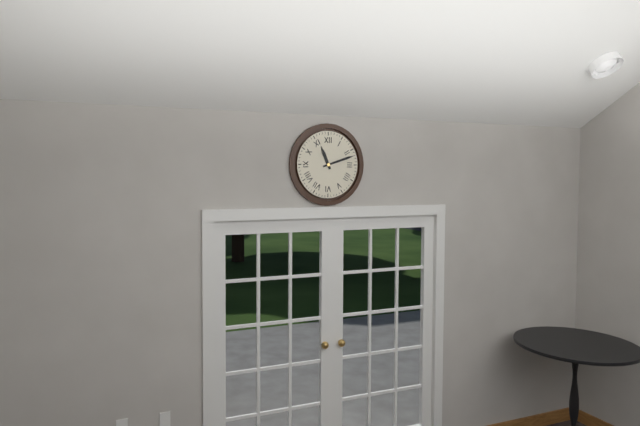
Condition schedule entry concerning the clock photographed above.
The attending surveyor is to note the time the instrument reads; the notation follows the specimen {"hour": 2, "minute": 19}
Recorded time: {"hour": 11, "minute": 12}
